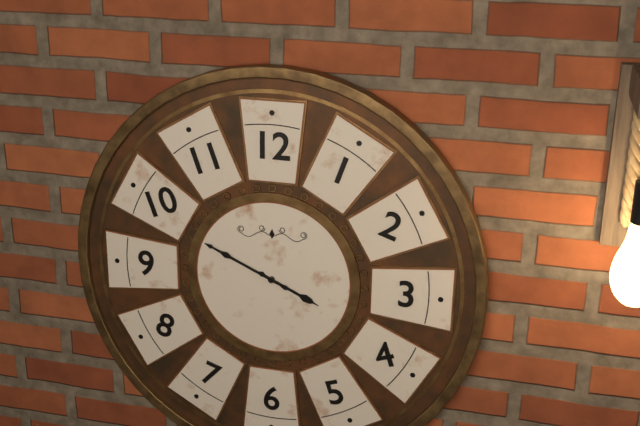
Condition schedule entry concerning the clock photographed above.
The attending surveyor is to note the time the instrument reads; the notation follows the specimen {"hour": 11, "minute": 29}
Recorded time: {"hour": 3, "minute": 49}
